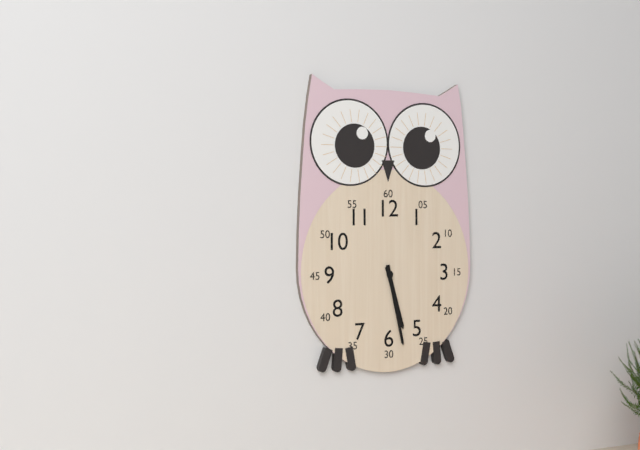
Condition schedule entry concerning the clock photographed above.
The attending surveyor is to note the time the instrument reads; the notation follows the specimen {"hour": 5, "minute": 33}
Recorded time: {"hour": 5, "minute": 28}
